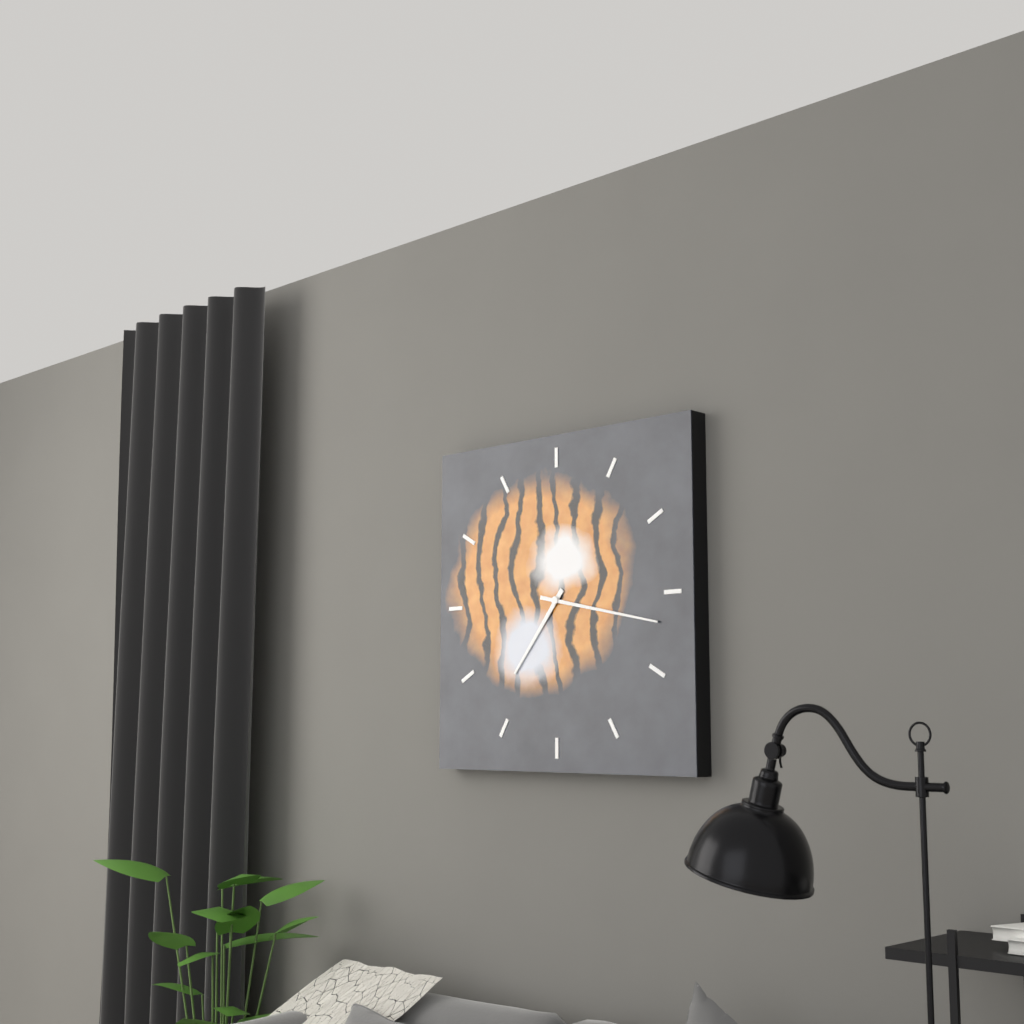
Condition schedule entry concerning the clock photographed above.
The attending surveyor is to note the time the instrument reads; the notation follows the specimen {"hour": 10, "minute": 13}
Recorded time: {"hour": 7, "minute": 17}
